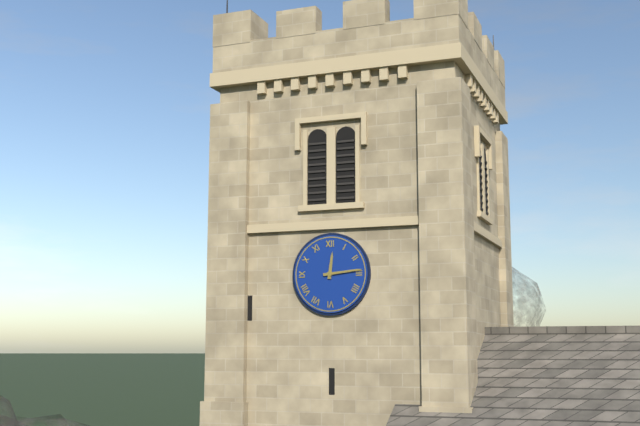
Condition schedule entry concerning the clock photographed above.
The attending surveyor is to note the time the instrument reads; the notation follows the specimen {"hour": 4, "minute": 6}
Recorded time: {"hour": 12, "minute": 14}
